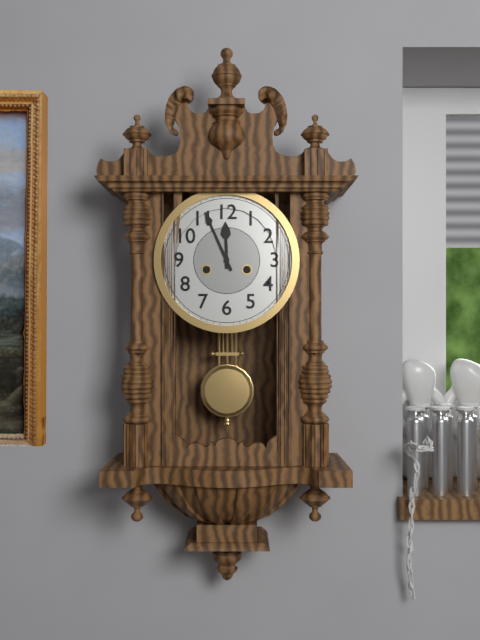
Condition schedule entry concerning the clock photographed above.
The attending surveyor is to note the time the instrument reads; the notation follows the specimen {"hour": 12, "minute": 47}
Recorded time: {"hour": 11, "minute": 56}
